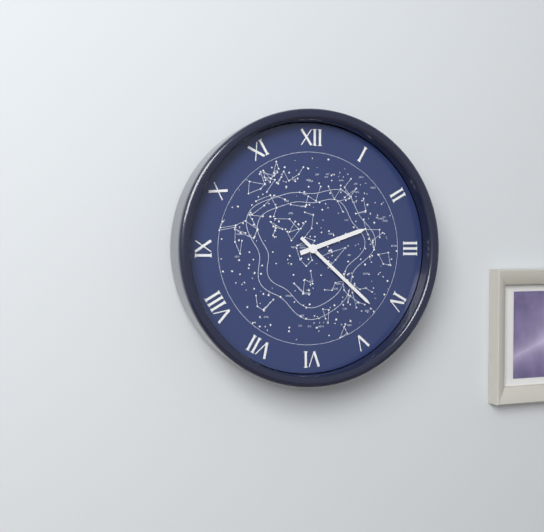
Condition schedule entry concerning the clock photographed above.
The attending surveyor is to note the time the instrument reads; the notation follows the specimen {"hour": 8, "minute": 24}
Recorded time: {"hour": 2, "minute": 22}
